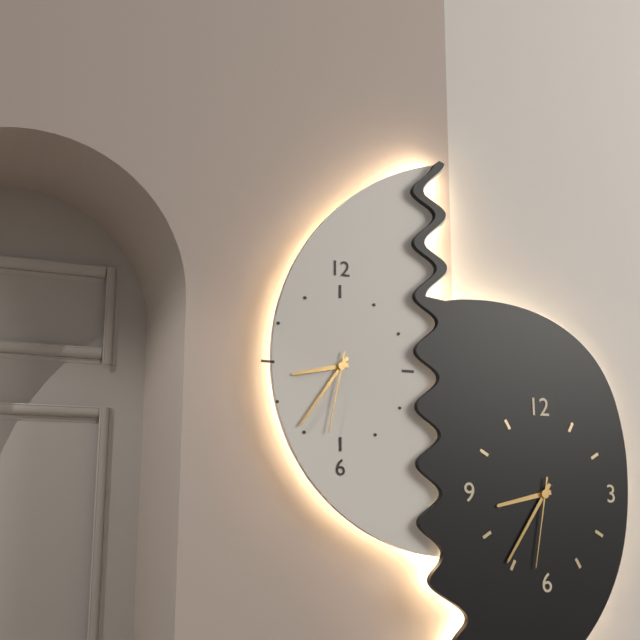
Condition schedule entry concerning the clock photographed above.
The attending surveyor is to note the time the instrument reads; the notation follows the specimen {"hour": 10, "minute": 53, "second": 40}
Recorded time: {"hour": 8, "minute": 36, "second": 32}
